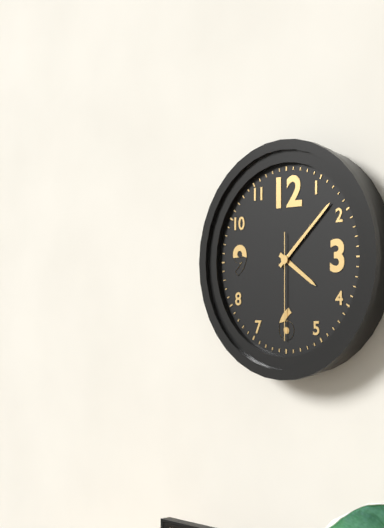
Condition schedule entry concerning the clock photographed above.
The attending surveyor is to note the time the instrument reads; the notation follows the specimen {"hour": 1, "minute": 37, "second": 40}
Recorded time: {"hour": 4, "minute": 8, "second": 30}
